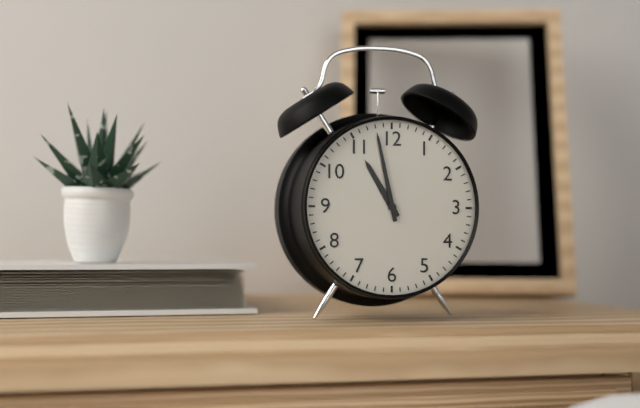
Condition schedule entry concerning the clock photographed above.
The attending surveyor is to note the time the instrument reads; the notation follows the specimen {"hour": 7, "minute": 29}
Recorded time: {"hour": 10, "minute": 58}
